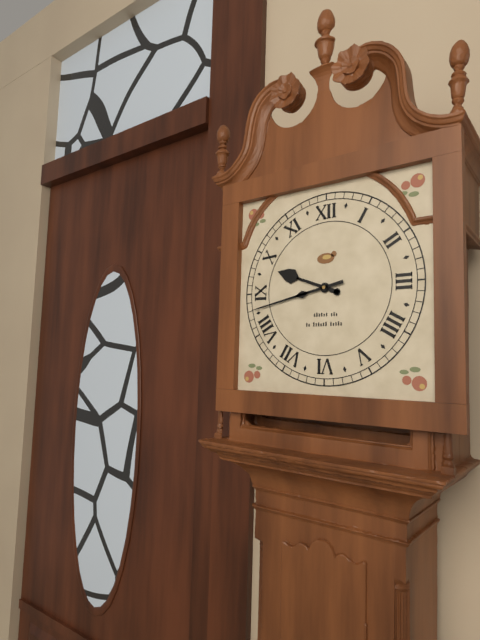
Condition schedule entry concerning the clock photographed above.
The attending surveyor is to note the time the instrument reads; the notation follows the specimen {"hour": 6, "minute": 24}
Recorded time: {"hour": 9, "minute": 43}
